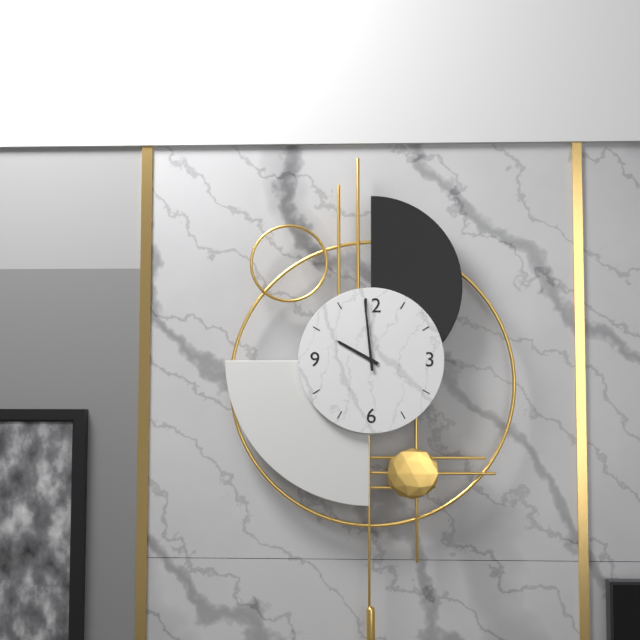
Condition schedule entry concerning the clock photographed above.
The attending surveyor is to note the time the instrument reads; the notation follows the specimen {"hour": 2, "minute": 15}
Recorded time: {"hour": 9, "minute": 59}
